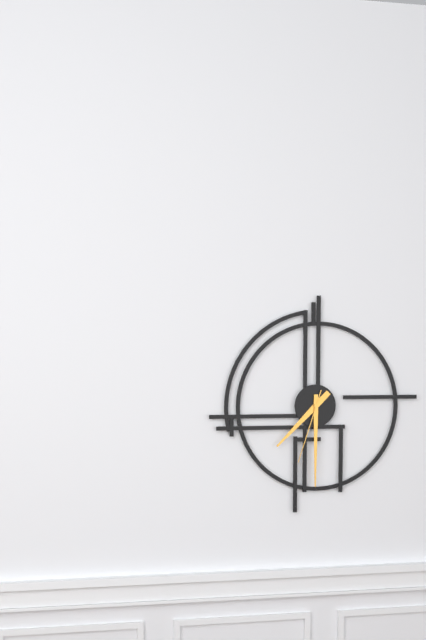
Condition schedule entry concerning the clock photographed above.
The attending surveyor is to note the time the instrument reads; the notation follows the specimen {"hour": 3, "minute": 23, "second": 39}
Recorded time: {"hour": 7, "minute": 30, "second": 33}
